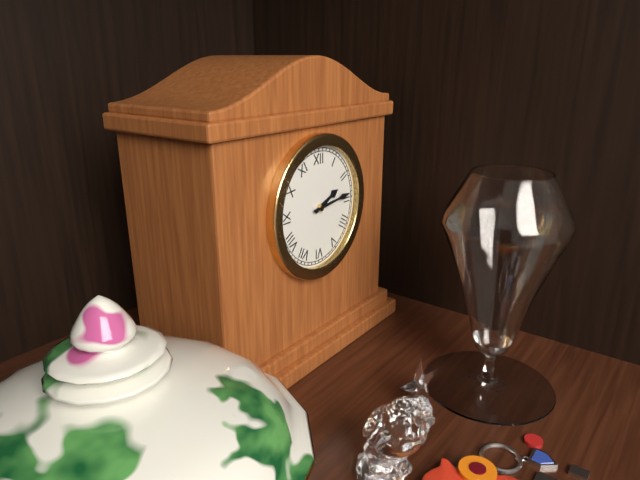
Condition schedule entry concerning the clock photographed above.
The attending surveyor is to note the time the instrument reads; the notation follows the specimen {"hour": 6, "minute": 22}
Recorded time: {"hour": 2, "minute": 14}
